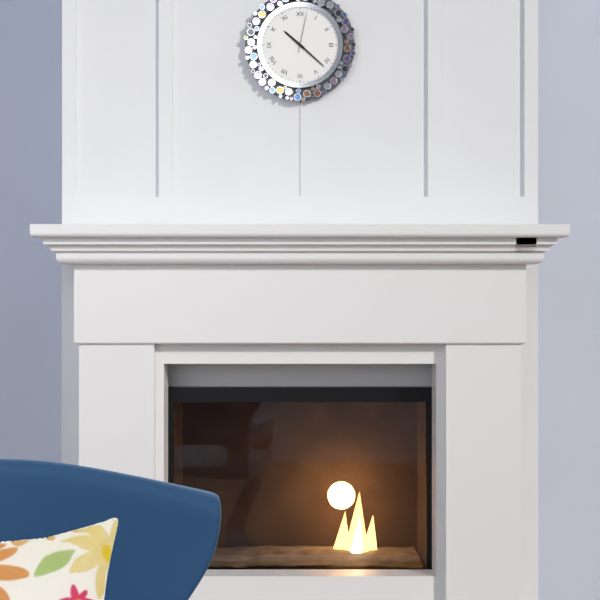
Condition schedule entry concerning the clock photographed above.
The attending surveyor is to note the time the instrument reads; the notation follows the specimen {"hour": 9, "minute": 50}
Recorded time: {"hour": 10, "minute": 22}
